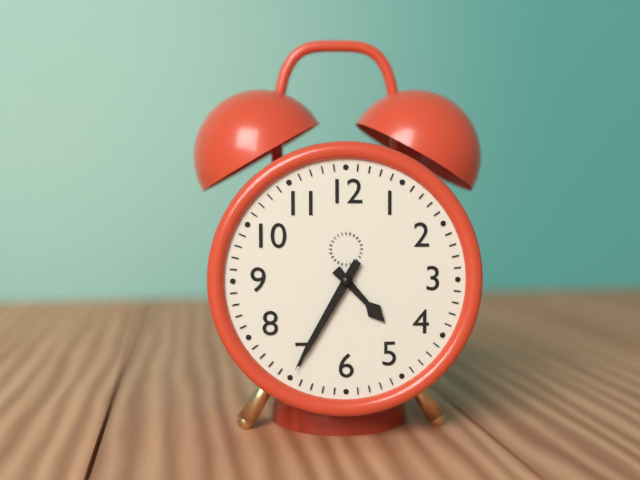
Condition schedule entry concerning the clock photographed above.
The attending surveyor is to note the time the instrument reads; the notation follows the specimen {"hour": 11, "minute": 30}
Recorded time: {"hour": 4, "minute": 35}
